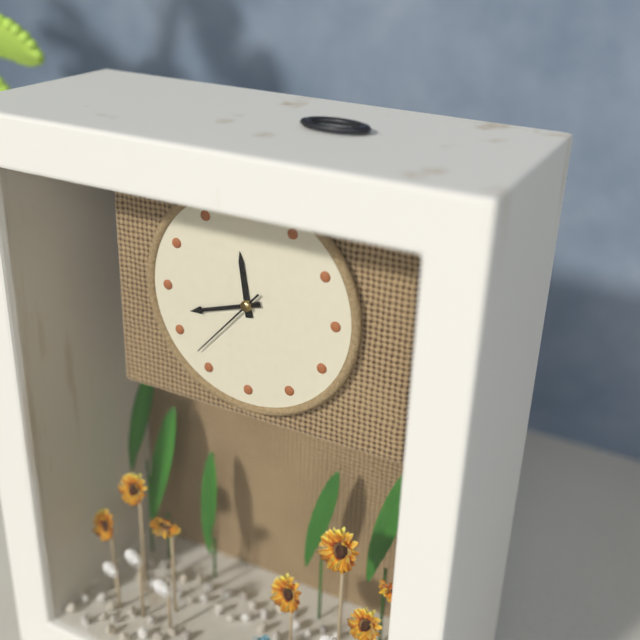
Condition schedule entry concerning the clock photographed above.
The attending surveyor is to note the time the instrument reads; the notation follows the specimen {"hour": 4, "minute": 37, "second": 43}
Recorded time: {"hour": 11, "minute": 42, "second": 37}
